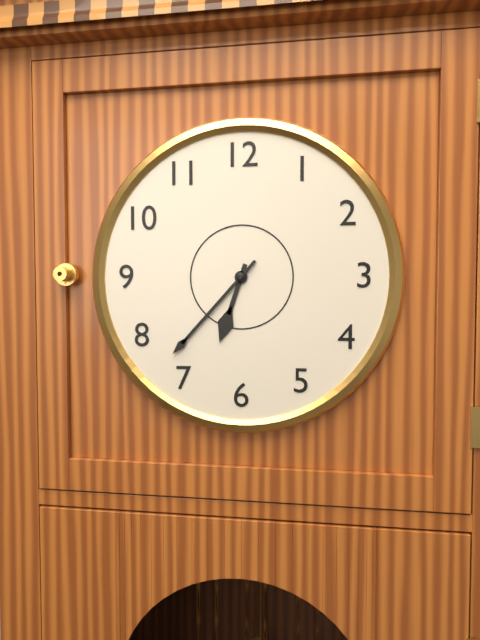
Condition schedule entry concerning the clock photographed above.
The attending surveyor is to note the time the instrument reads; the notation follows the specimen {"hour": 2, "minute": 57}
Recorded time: {"hour": 6, "minute": 37}
